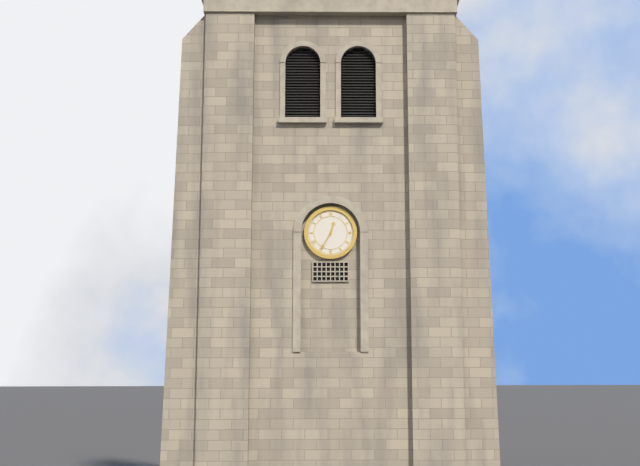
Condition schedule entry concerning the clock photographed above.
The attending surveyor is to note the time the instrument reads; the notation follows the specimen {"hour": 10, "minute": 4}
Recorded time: {"hour": 12, "minute": 35}
